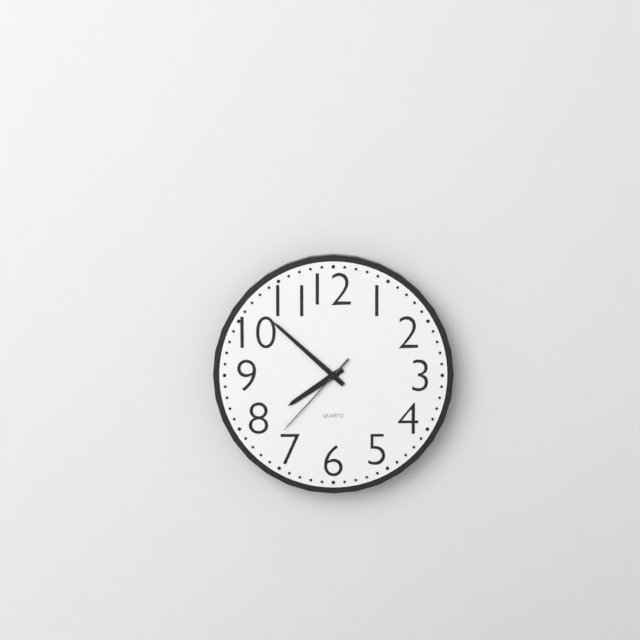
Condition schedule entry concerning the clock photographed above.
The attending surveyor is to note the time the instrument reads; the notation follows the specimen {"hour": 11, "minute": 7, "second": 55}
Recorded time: {"hour": 7, "minute": 52, "second": 37}
